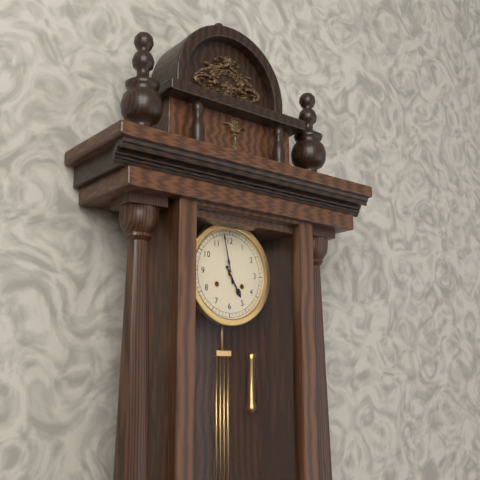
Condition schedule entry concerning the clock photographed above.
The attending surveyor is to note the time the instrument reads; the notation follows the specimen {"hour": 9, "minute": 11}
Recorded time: {"hour": 4, "minute": 58}
